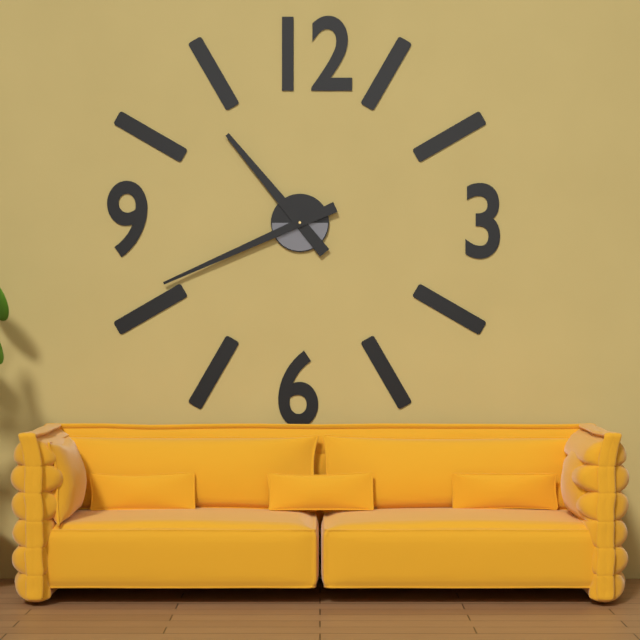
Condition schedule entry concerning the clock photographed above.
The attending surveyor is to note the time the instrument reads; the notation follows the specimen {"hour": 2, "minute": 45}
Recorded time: {"hour": 10, "minute": 41}
